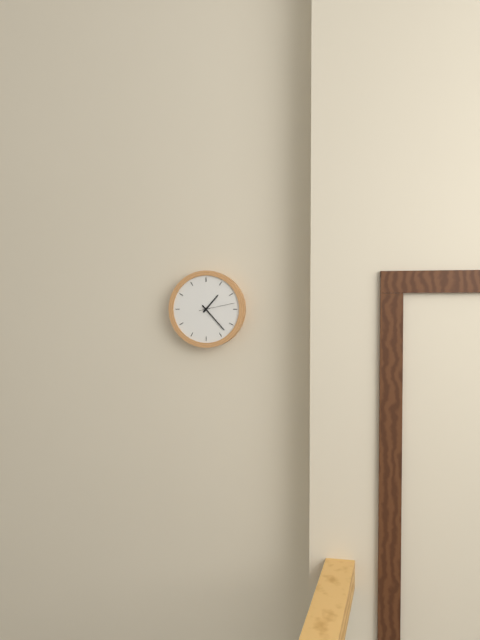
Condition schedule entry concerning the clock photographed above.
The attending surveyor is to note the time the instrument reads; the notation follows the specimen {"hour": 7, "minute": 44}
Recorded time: {"hour": 1, "minute": 23}
